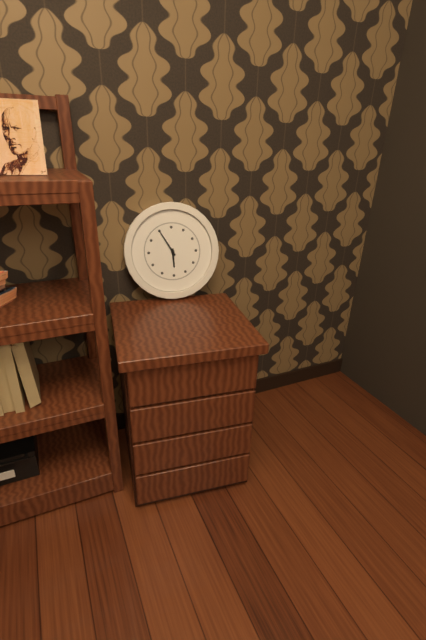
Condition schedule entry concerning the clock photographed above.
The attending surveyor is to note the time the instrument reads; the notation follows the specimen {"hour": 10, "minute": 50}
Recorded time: {"hour": 5, "minute": 55}
